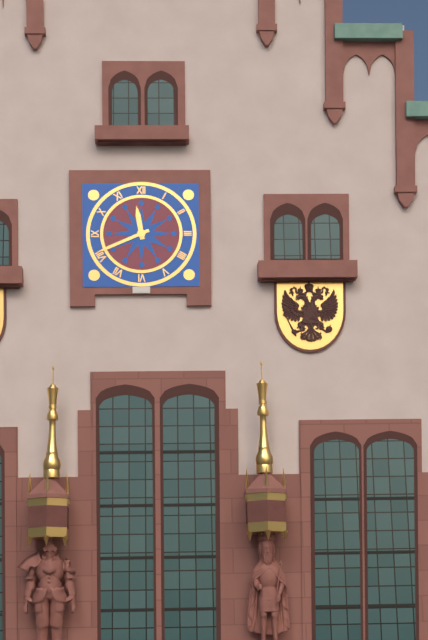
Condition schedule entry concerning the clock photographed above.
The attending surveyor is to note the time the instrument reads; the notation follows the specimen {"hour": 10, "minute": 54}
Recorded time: {"hour": 11, "minute": 41}
